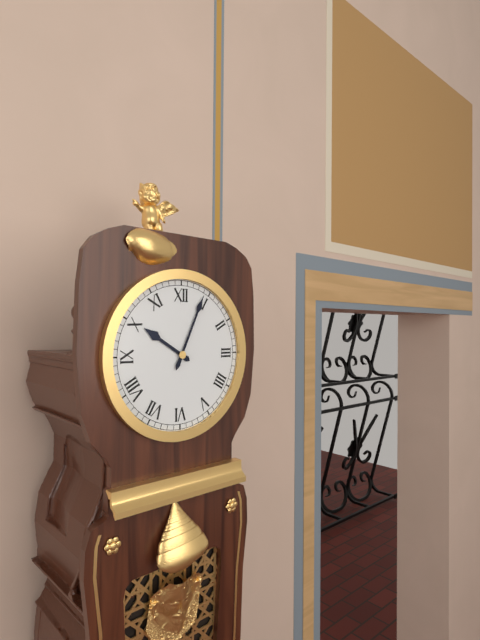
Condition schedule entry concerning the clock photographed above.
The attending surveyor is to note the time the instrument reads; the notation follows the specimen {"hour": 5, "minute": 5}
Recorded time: {"hour": 10, "minute": 4}
